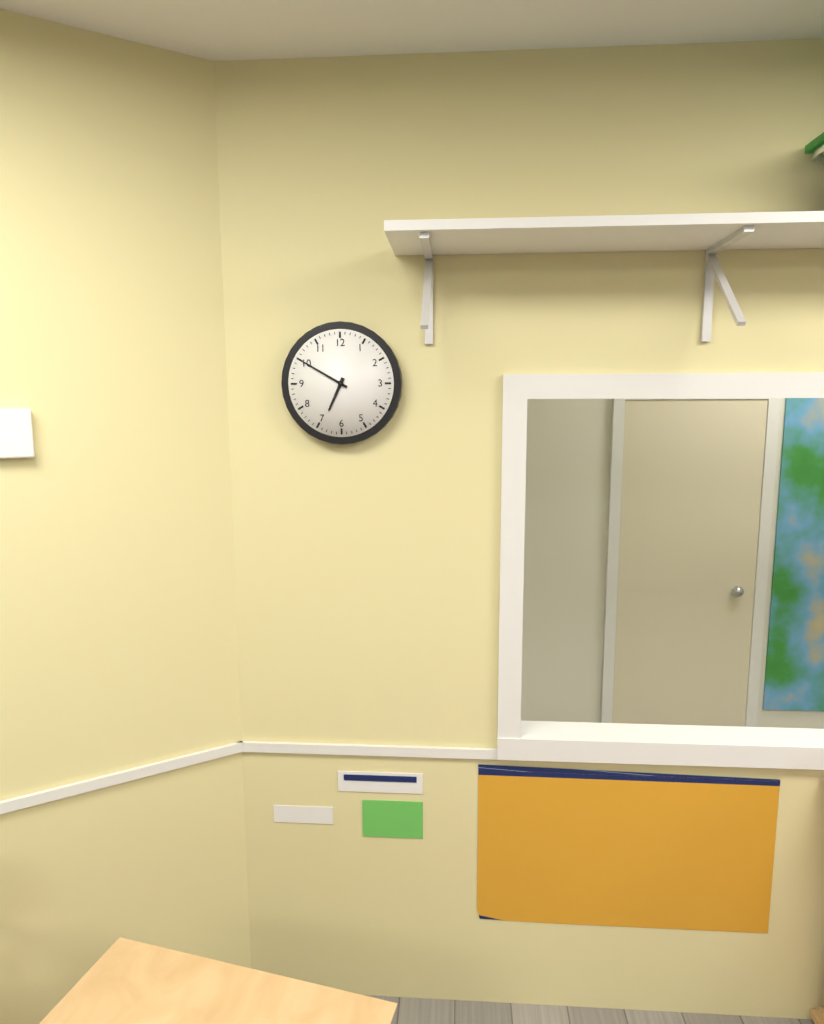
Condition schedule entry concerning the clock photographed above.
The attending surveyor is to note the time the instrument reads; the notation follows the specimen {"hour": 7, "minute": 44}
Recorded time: {"hour": 6, "minute": 50}
